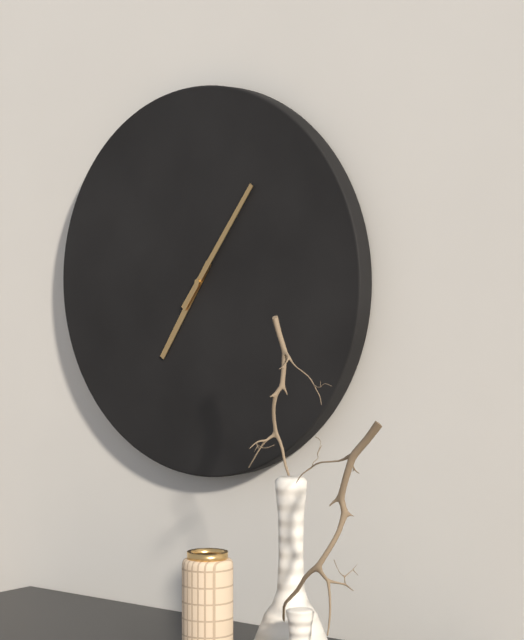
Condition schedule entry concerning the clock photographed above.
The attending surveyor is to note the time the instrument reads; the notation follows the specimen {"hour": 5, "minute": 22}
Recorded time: {"hour": 7, "minute": 6}
